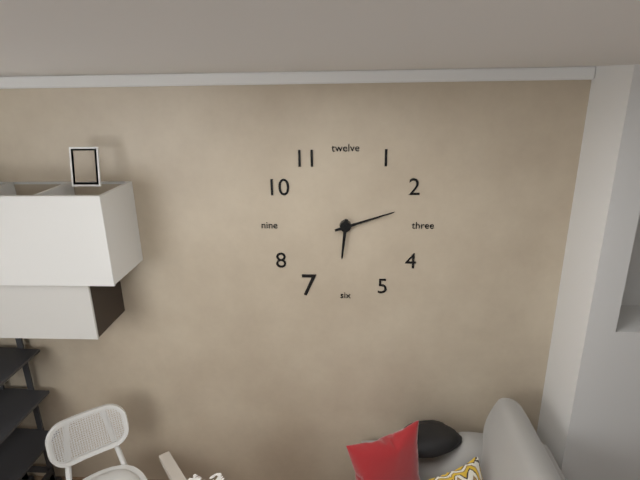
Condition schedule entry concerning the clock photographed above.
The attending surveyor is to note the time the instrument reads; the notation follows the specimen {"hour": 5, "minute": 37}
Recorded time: {"hour": 6, "minute": 12}
